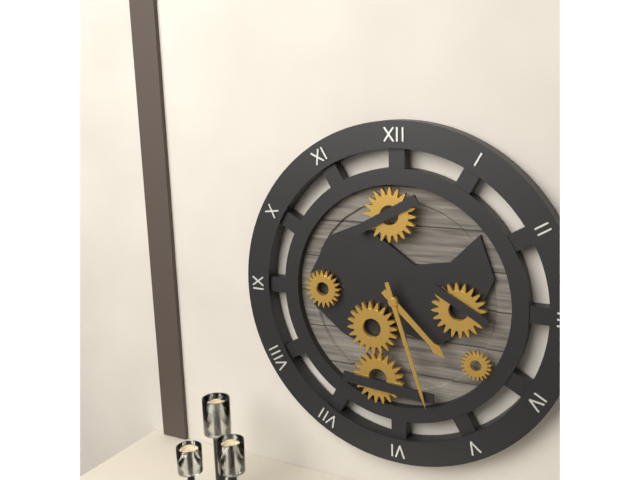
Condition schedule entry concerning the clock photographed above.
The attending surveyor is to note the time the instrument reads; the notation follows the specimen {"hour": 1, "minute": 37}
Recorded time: {"hour": 4, "minute": 27}
